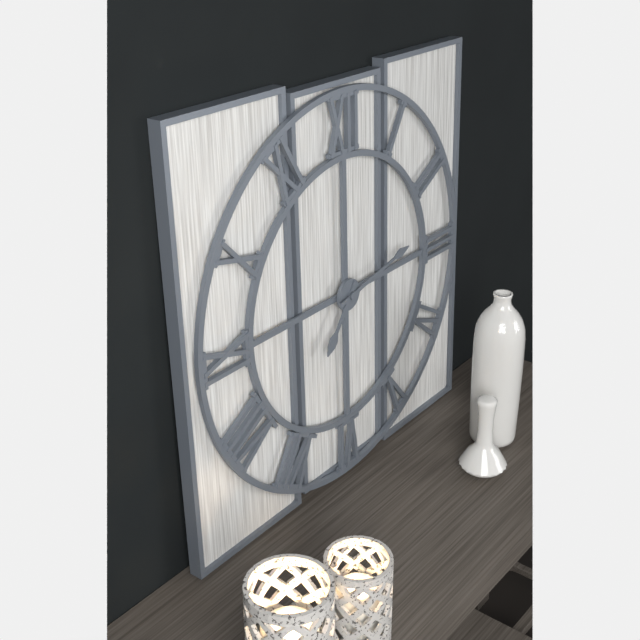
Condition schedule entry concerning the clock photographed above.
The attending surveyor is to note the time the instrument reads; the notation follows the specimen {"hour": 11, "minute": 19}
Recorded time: {"hour": 7, "minute": 13}
